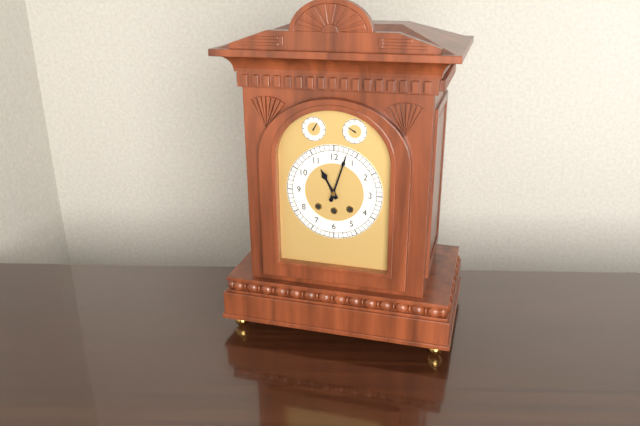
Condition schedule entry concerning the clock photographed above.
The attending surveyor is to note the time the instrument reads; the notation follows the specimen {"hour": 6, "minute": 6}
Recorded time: {"hour": 11, "minute": 3}
